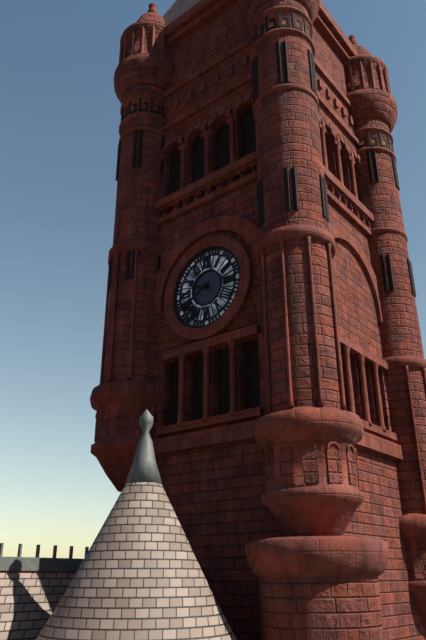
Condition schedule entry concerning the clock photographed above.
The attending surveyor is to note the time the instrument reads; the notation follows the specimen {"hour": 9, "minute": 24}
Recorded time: {"hour": 9, "minute": 40}
